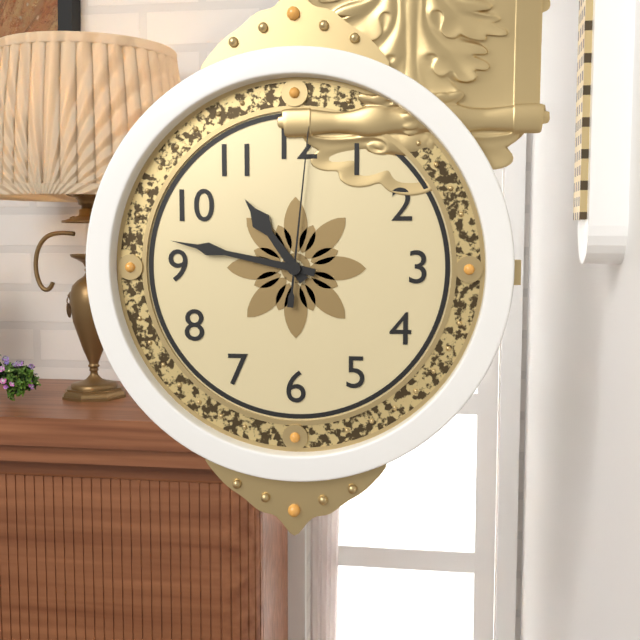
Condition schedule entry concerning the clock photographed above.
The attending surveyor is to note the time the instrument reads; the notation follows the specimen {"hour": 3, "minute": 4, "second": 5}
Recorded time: {"hour": 10, "minute": 47, "second": 1}
